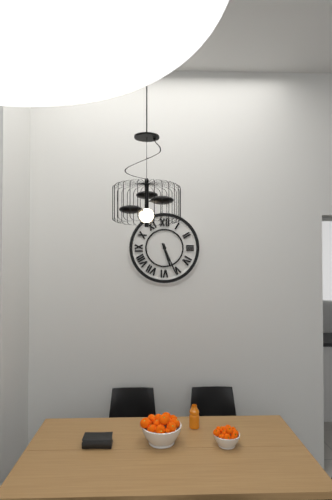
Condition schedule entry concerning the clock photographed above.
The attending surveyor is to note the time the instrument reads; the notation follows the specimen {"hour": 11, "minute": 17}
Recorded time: {"hour": 5, "minute": 26}
